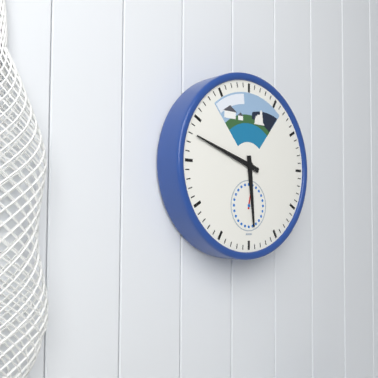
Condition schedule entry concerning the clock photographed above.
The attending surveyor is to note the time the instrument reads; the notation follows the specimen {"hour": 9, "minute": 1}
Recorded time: {"hour": 5, "minute": 48}
